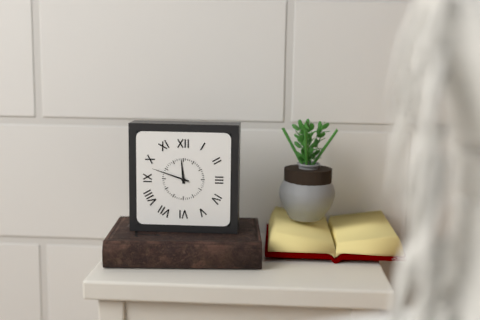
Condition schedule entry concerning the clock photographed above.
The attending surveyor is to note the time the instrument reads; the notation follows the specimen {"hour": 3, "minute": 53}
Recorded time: {"hour": 11, "minute": 48}
